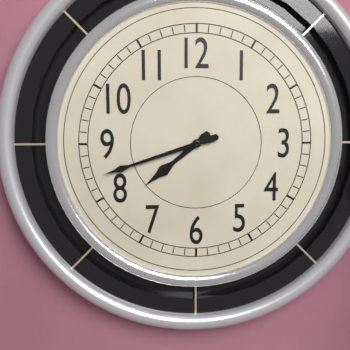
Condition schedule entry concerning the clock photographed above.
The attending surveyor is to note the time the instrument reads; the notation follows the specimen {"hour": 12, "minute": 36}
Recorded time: {"hour": 7, "minute": 42}
